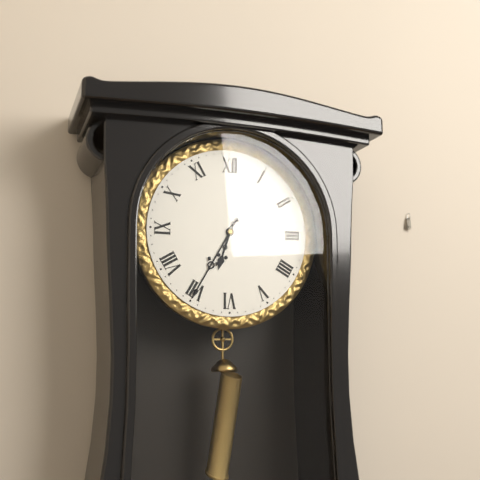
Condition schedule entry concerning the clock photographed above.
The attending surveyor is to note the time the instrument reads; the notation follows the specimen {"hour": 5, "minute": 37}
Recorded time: {"hour": 6, "minute": 35}
